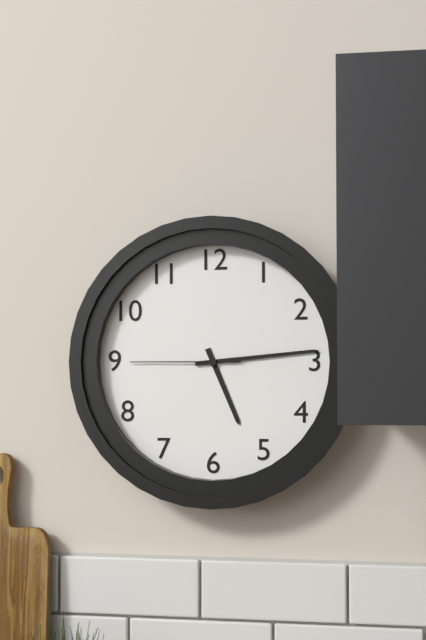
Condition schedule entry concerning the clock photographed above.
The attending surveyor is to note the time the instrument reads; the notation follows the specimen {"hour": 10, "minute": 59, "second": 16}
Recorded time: {"hour": 5, "minute": 14, "second": 45}
